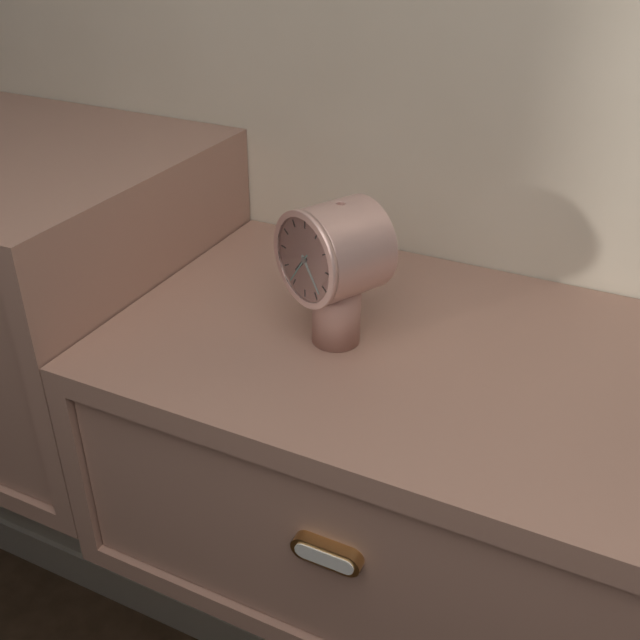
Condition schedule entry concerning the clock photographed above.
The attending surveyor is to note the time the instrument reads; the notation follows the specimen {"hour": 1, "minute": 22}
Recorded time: {"hour": 7, "minute": 23}
